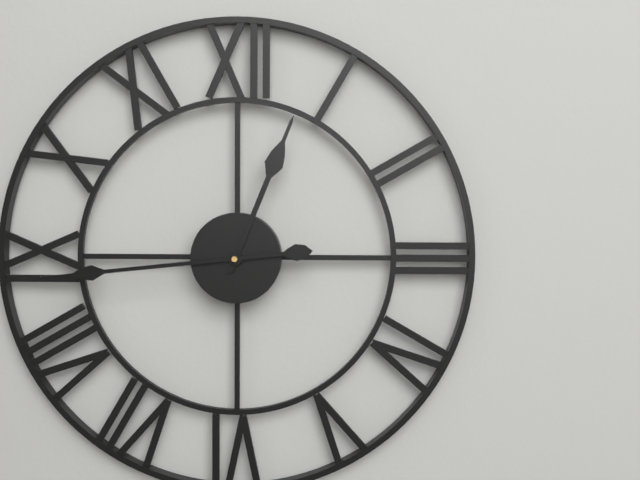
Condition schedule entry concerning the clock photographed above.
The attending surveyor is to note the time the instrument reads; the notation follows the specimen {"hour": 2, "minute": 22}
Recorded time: {"hour": 12, "minute": 44}
